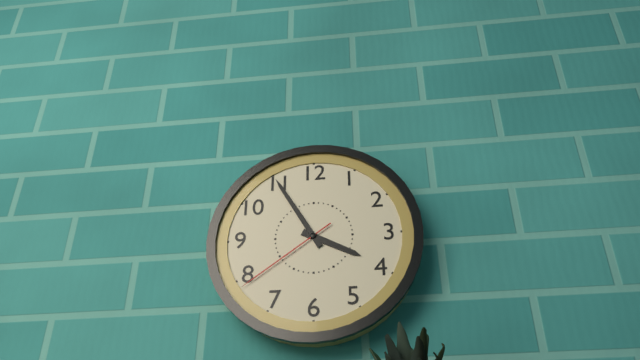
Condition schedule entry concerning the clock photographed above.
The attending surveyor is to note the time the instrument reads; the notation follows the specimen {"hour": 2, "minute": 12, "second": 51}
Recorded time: {"hour": 3, "minute": 55, "second": 39}
